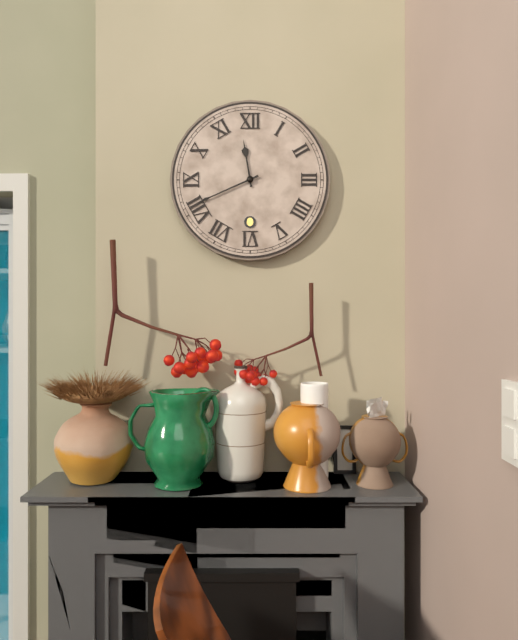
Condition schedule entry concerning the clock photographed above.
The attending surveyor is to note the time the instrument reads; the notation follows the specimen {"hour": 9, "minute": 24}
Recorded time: {"hour": 11, "minute": 41}
